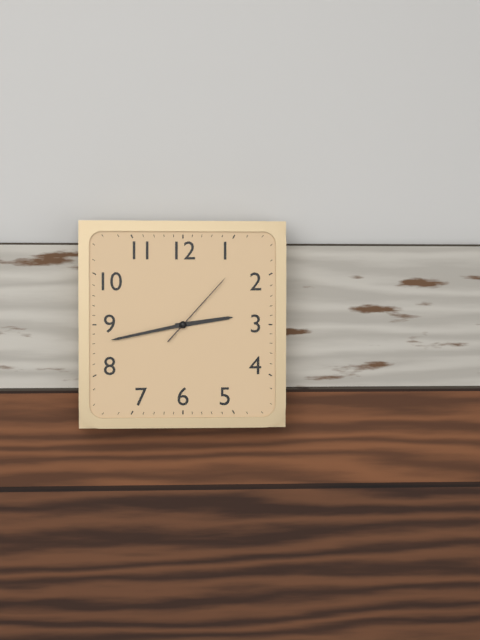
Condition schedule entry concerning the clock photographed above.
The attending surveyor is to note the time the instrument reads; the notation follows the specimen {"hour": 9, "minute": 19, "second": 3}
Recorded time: {"hour": 2, "minute": 43, "second": 7}
